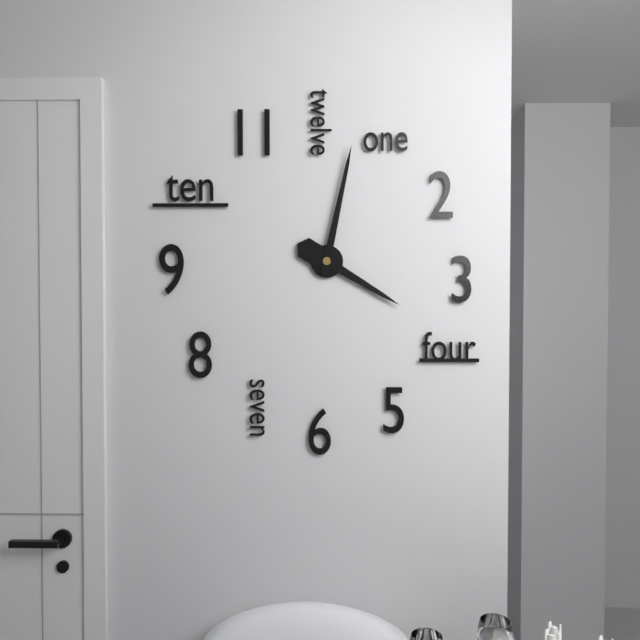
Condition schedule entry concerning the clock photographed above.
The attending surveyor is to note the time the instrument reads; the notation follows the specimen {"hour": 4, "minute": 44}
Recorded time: {"hour": 4, "minute": 2}
